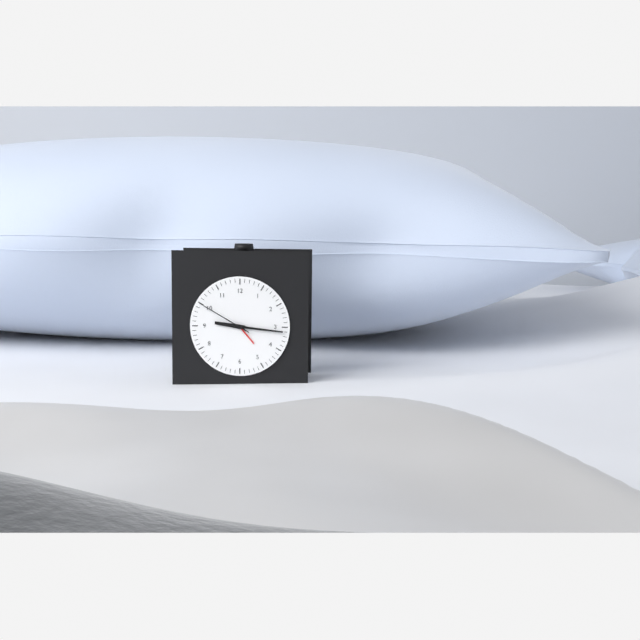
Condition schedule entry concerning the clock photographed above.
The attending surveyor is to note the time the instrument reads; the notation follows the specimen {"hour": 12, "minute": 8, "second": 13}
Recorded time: {"hour": 9, "minute": 16, "second": 50}
